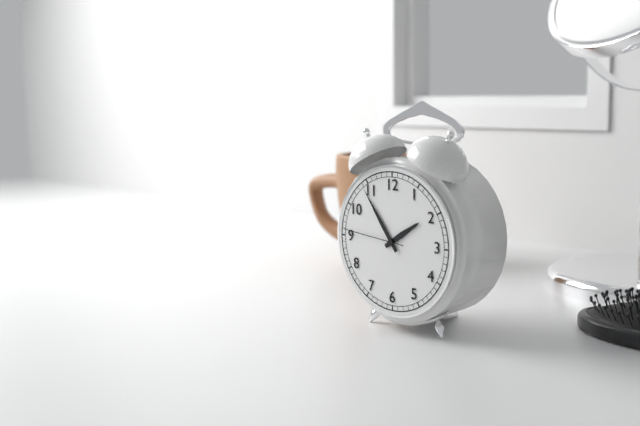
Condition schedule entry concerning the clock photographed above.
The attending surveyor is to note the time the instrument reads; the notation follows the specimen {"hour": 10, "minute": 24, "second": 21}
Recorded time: {"hour": 1, "minute": 54, "second": 46}
